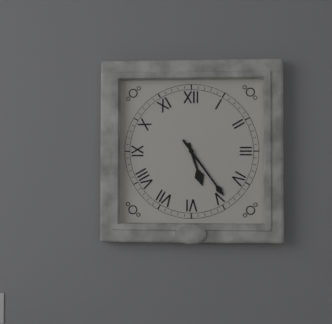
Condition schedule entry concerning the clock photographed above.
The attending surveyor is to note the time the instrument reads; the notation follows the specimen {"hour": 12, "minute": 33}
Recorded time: {"hour": 5, "minute": 24}
